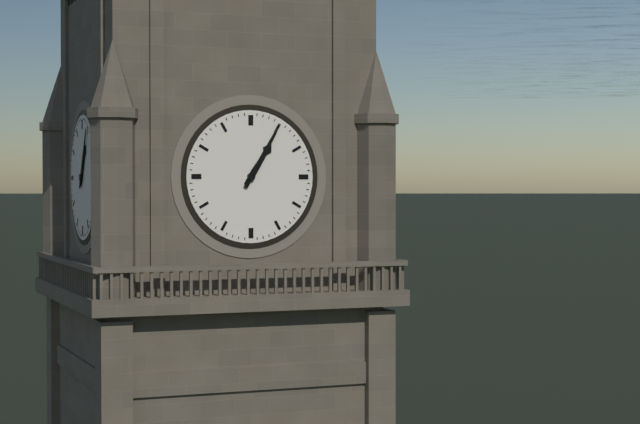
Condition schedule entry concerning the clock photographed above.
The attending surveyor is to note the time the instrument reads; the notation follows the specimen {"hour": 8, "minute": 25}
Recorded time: {"hour": 1, "minute": 5}
